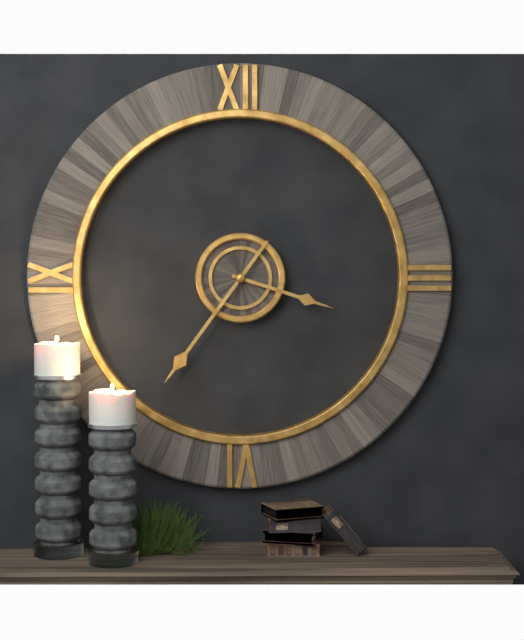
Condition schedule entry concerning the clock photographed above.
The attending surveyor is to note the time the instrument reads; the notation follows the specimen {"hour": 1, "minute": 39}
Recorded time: {"hour": 3, "minute": 36}
